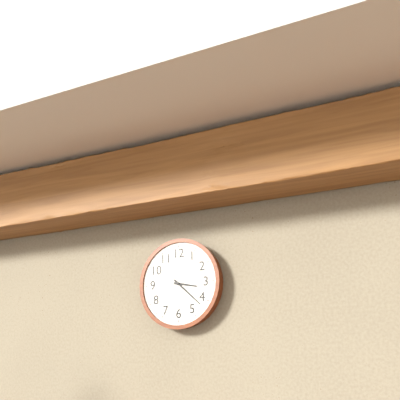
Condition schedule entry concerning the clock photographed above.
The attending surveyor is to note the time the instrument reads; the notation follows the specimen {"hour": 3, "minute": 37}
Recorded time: {"hour": 3, "minute": 22}
